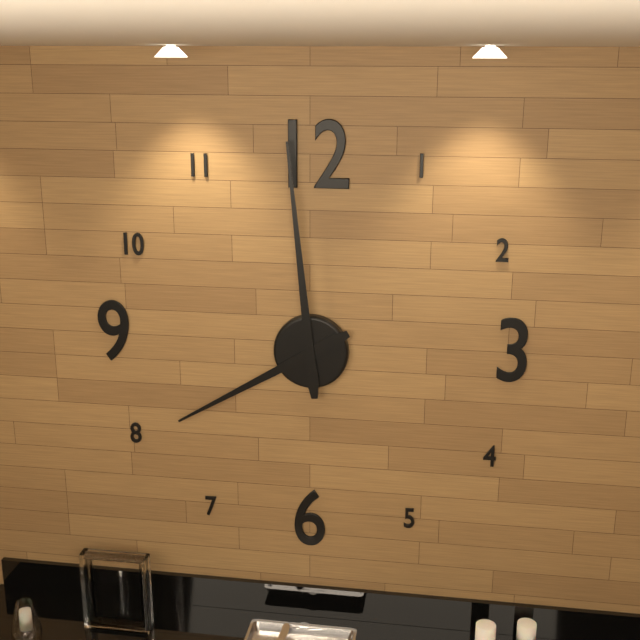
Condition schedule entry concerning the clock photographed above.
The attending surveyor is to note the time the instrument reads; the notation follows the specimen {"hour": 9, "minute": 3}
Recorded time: {"hour": 7, "minute": 59}
